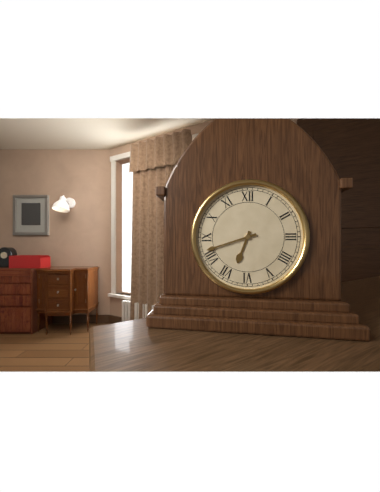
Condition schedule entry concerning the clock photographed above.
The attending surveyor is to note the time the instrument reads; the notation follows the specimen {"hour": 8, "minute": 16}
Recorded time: {"hour": 6, "minute": 42}
